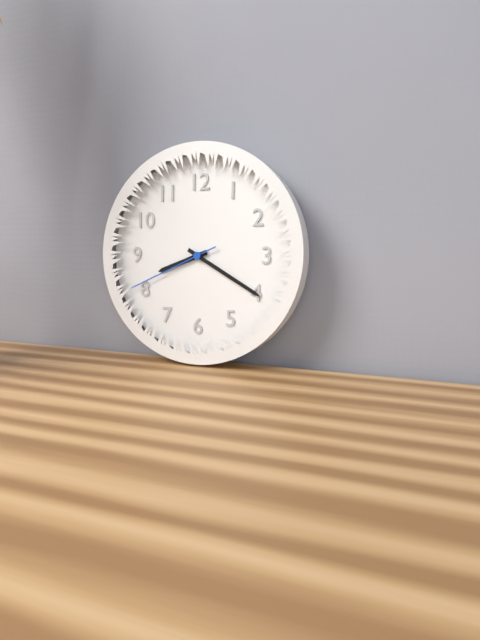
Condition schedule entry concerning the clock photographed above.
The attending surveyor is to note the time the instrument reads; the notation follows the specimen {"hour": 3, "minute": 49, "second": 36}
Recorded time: {"hour": 8, "minute": 20, "second": 41}
